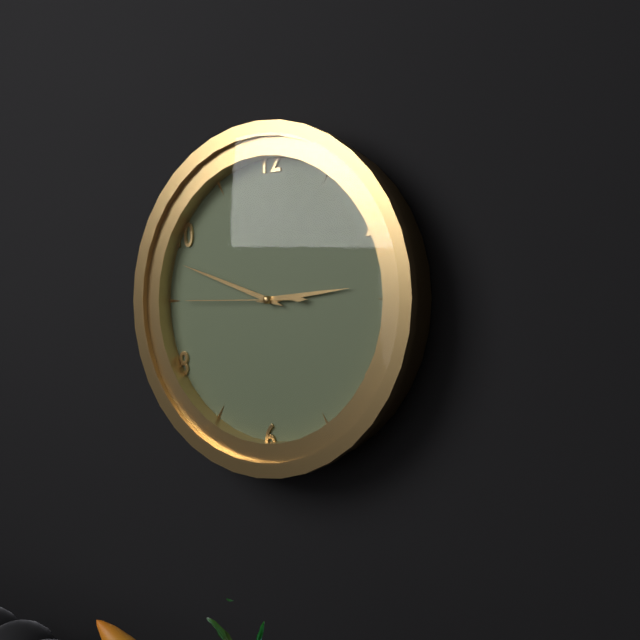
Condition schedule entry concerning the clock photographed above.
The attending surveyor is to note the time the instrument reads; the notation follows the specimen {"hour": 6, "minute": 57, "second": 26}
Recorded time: {"hour": 2, "minute": 48, "second": 45}
